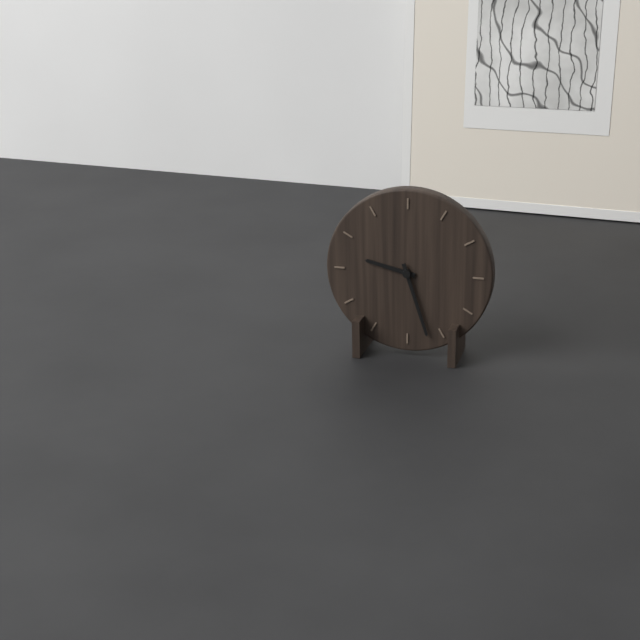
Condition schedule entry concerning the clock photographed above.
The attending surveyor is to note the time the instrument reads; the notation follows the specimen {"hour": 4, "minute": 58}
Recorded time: {"hour": 9, "minute": 27}
